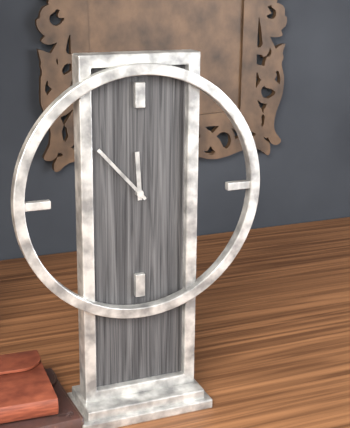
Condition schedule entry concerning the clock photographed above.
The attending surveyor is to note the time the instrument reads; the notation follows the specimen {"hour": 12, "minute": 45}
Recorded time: {"hour": 11, "minute": 53}
